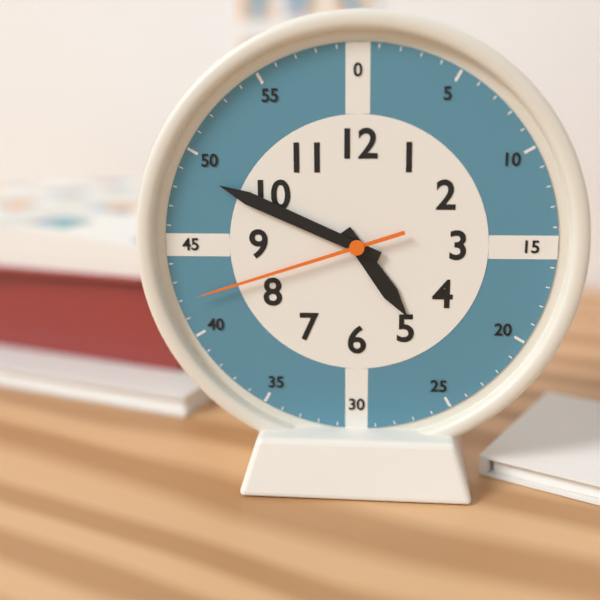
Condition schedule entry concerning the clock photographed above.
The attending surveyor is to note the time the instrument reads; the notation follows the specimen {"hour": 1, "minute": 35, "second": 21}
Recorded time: {"hour": 4, "minute": 49, "second": 42}
